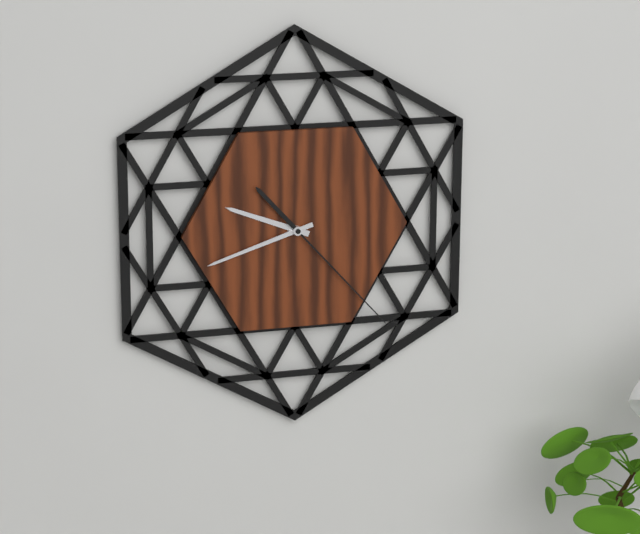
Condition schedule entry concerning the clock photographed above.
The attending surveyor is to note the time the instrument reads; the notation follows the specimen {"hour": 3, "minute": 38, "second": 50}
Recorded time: {"hour": 9, "minute": 42, "second": 23}
